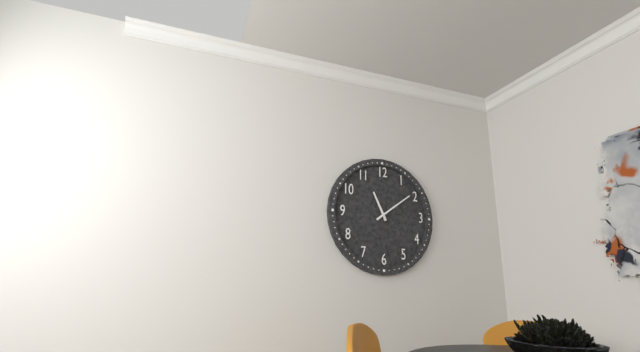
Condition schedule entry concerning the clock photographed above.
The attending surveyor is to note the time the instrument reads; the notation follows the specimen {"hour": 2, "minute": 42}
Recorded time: {"hour": 11, "minute": 9}
